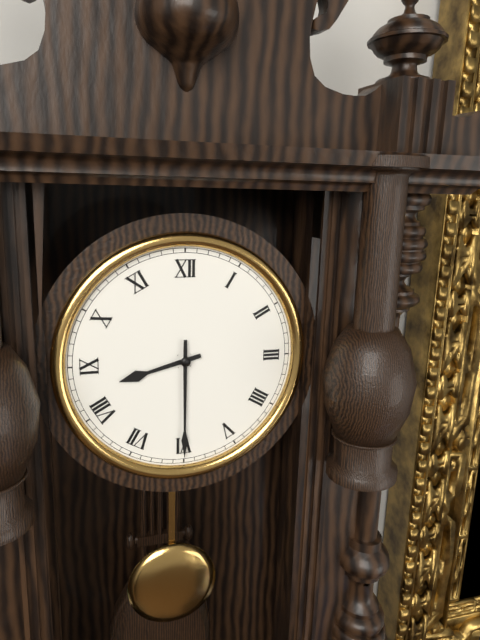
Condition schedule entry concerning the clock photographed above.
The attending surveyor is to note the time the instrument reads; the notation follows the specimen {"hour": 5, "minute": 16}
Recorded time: {"hour": 8, "minute": 30}
